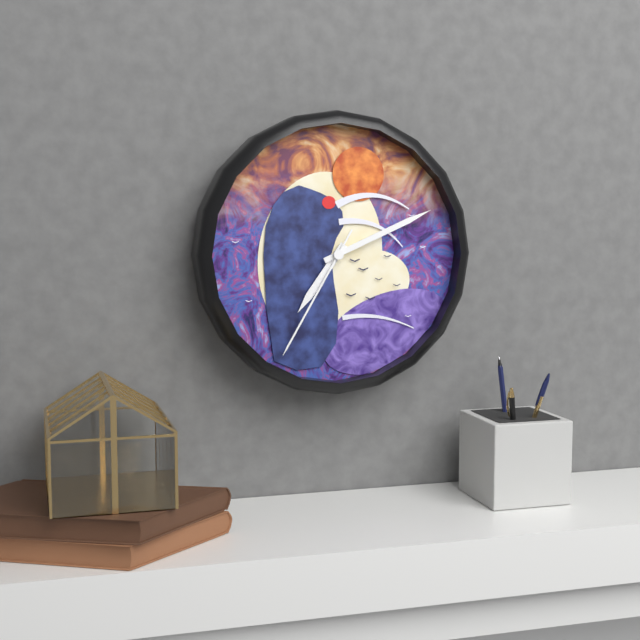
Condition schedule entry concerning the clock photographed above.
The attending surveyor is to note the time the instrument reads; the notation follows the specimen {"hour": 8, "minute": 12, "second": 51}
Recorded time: {"hour": 7, "minute": 11, "second": 35}
